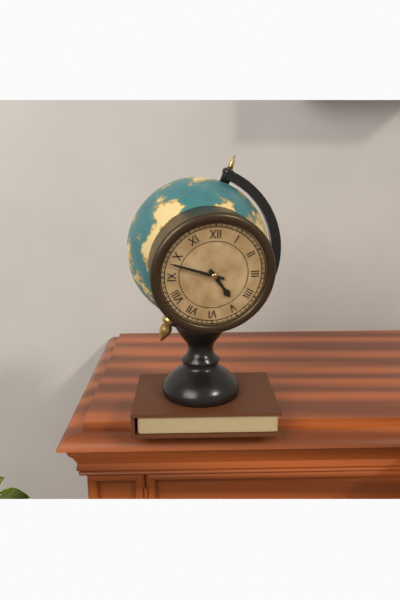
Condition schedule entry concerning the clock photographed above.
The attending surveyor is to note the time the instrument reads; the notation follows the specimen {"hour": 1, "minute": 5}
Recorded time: {"hour": 4, "minute": 48}
